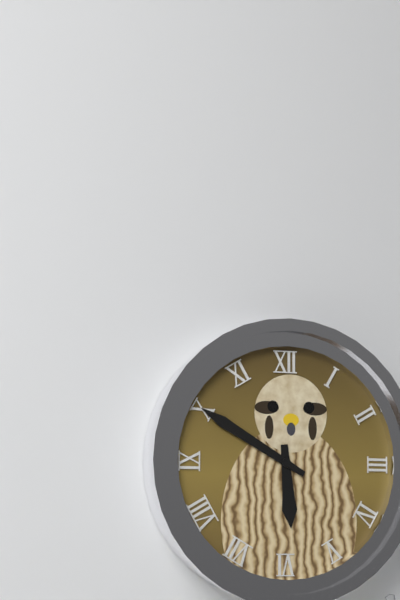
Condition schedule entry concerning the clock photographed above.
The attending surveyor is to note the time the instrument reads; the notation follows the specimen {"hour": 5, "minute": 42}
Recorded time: {"hour": 5, "minute": 50}
